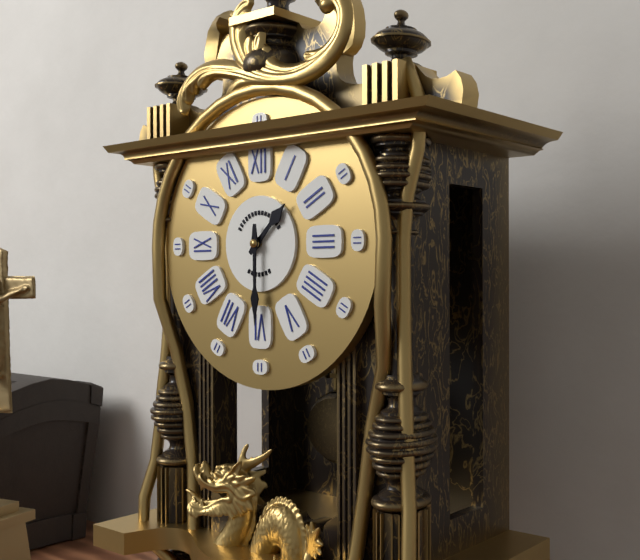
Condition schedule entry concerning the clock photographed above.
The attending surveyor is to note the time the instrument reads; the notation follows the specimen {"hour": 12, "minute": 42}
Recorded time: {"hour": 1, "minute": 30}
